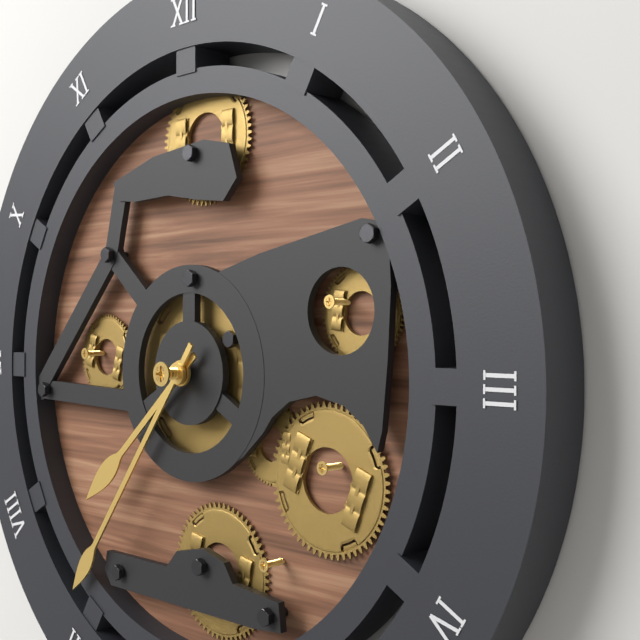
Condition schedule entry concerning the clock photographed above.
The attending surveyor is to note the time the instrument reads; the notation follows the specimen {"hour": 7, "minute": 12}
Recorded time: {"hour": 7, "minute": 36}
